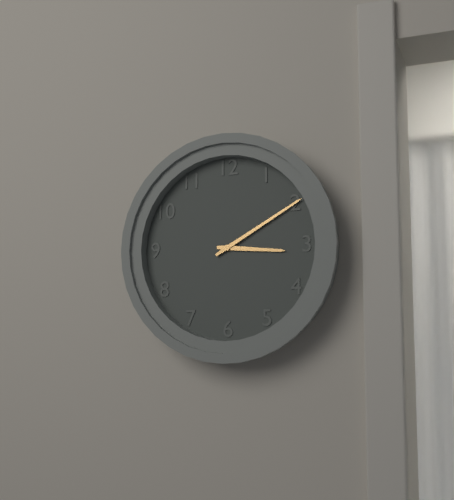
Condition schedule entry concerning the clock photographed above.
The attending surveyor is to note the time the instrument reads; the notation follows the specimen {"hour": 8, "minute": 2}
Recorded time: {"hour": 3, "minute": 10}
